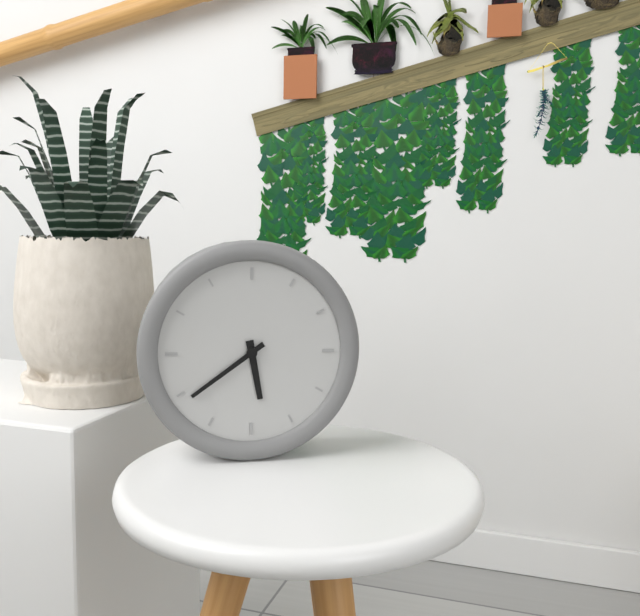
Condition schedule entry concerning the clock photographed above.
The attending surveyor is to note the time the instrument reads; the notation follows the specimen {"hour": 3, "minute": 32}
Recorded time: {"hour": 5, "minute": 39}
